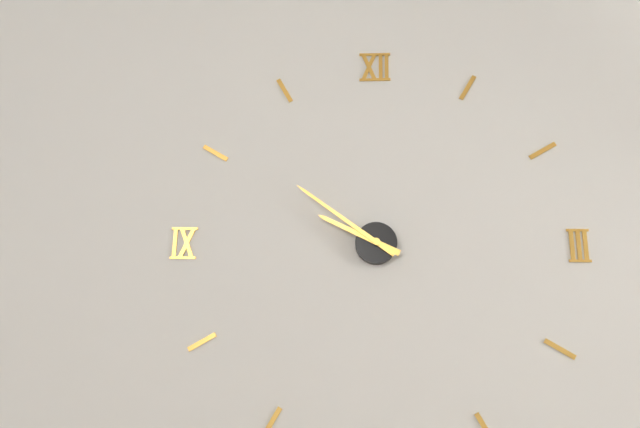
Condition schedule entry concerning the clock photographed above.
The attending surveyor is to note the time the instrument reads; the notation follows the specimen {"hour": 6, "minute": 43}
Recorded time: {"hour": 9, "minute": 51}
